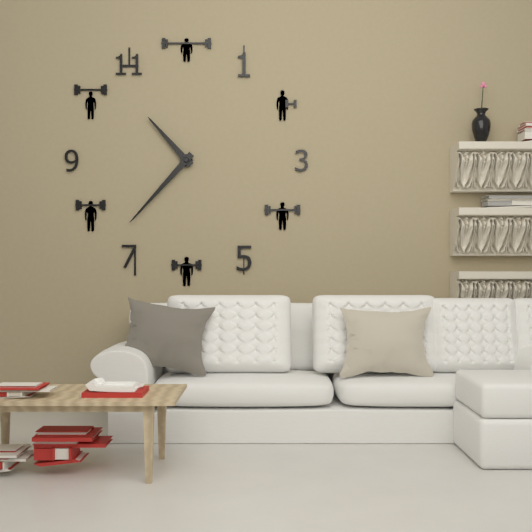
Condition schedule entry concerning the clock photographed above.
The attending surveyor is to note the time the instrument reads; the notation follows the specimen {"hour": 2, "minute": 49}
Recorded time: {"hour": 10, "minute": 37}
